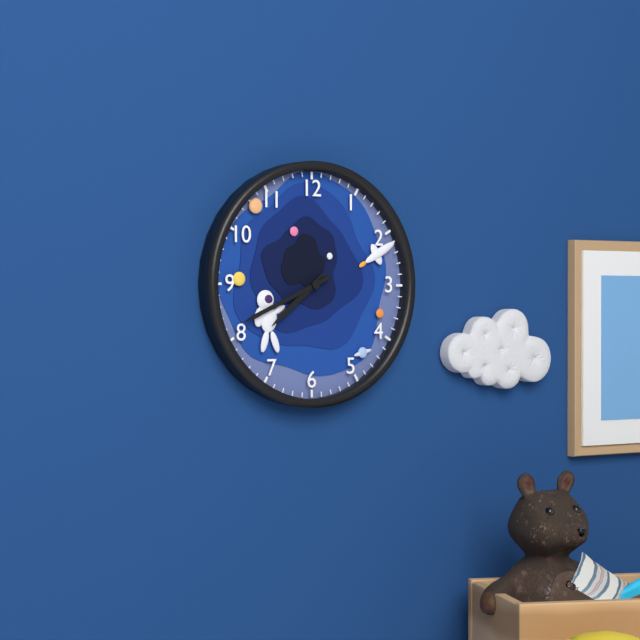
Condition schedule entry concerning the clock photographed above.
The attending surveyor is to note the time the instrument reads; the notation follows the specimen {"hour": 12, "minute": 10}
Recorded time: {"hour": 7, "minute": 41}
